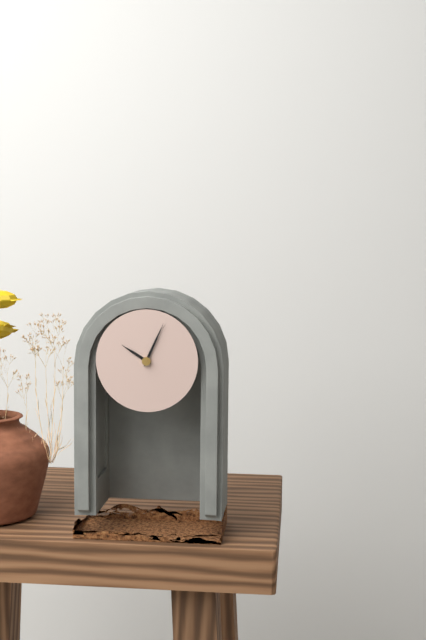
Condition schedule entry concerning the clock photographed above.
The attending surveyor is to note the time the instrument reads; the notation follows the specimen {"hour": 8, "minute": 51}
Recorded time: {"hour": 10, "minute": 4}
